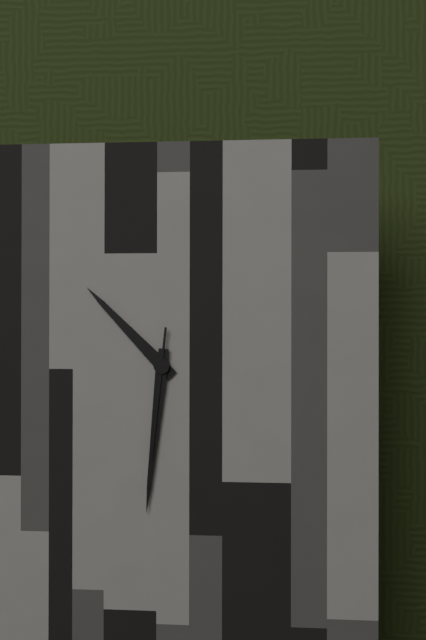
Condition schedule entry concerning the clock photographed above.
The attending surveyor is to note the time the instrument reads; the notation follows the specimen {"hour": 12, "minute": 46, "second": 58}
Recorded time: {"hour": 10, "minute": 31, "second": 31}
